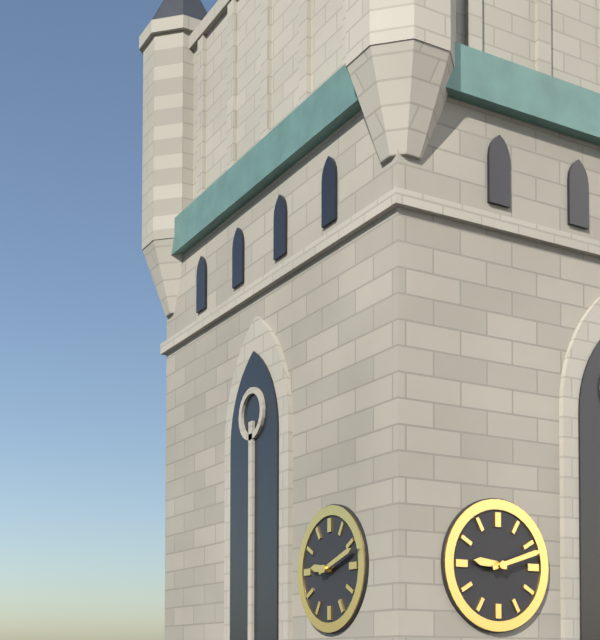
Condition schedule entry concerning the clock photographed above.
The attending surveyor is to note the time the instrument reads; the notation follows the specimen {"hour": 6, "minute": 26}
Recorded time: {"hour": 9, "minute": 12}
